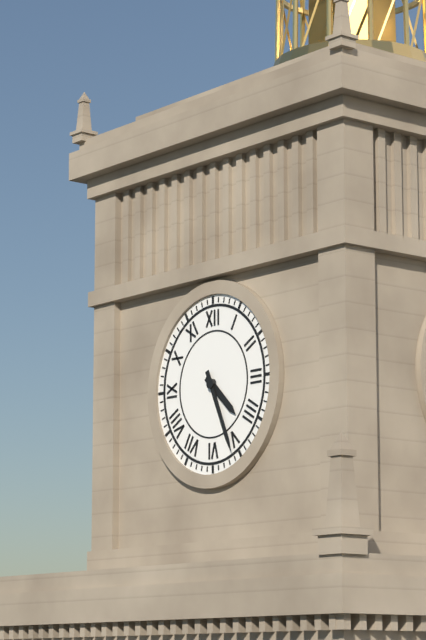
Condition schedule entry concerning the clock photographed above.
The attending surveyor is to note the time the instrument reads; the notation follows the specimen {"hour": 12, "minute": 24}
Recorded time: {"hour": 4, "minute": 26}
